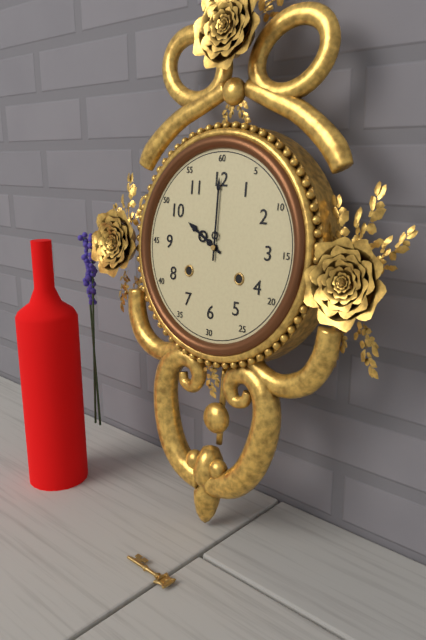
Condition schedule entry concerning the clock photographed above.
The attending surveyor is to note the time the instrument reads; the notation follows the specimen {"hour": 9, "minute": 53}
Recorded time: {"hour": 10, "minute": 0}
